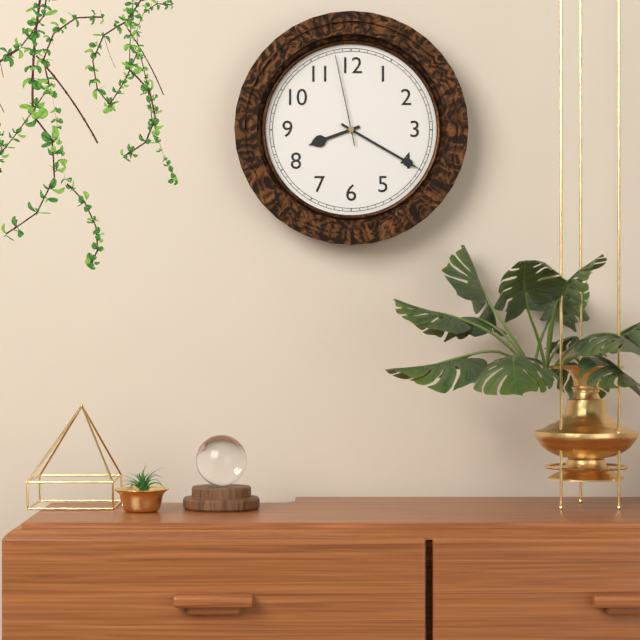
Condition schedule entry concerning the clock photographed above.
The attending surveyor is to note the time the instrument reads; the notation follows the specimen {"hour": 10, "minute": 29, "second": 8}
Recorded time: {"hour": 8, "minute": 20, "second": 58}
